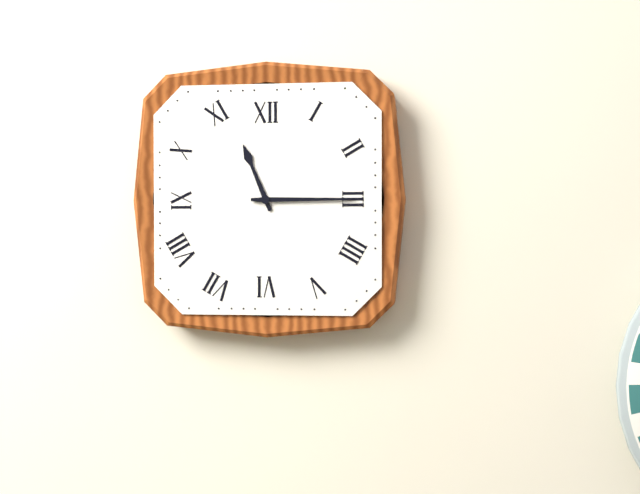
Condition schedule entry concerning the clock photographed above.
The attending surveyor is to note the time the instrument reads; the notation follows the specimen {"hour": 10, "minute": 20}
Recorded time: {"hour": 11, "minute": 15}
